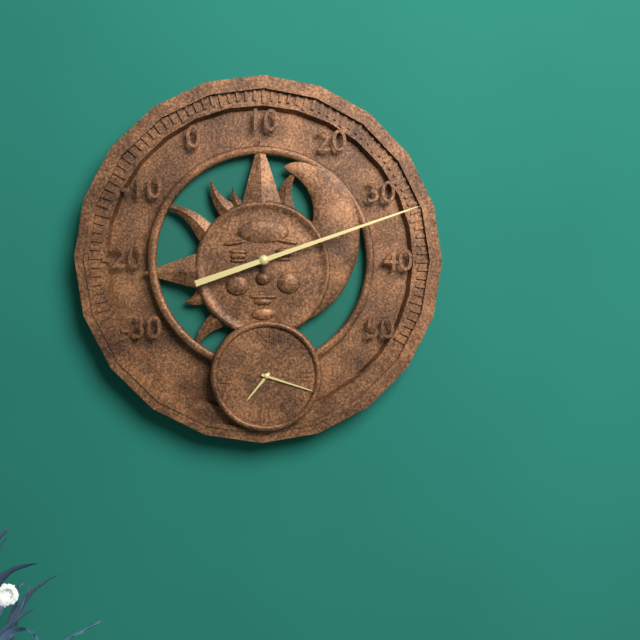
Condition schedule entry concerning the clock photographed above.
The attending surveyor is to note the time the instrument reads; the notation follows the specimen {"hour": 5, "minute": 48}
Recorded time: {"hour": 7, "minute": 18}
